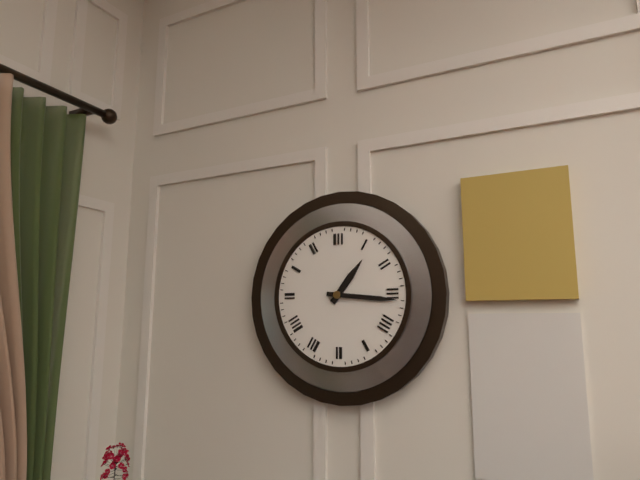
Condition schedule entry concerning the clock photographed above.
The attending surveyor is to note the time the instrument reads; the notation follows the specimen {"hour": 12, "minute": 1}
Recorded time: {"hour": 1, "minute": 16}
